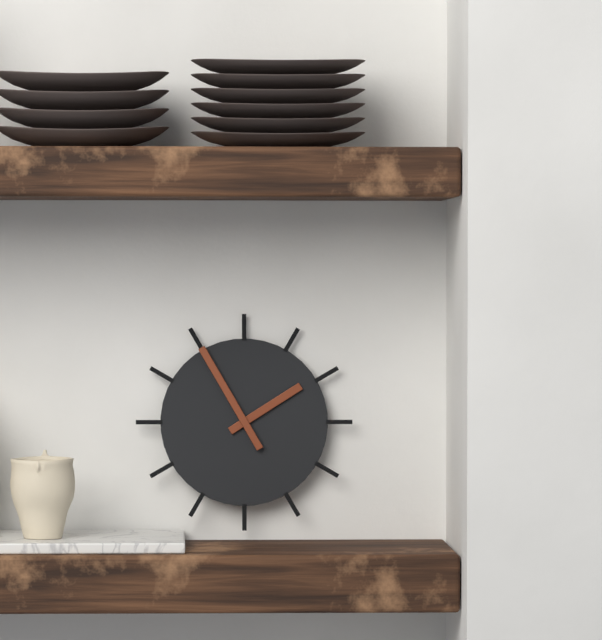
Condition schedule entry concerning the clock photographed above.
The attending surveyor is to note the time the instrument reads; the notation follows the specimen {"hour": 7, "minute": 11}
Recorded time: {"hour": 1, "minute": 55}
